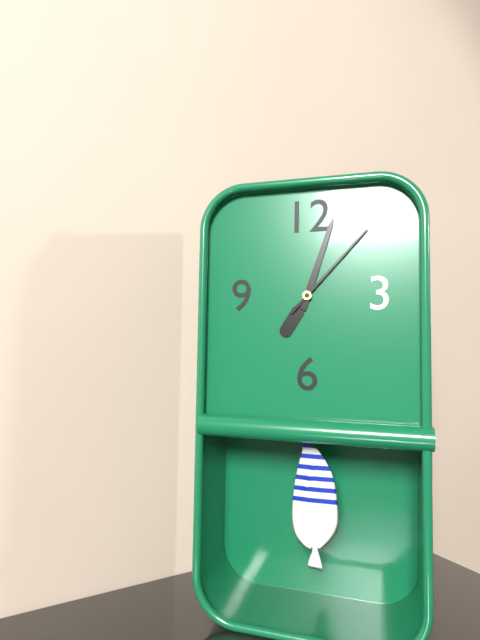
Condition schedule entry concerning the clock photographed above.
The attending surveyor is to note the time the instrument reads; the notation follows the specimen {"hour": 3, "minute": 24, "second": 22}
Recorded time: {"hour": 7, "minute": 3, "second": 7}
